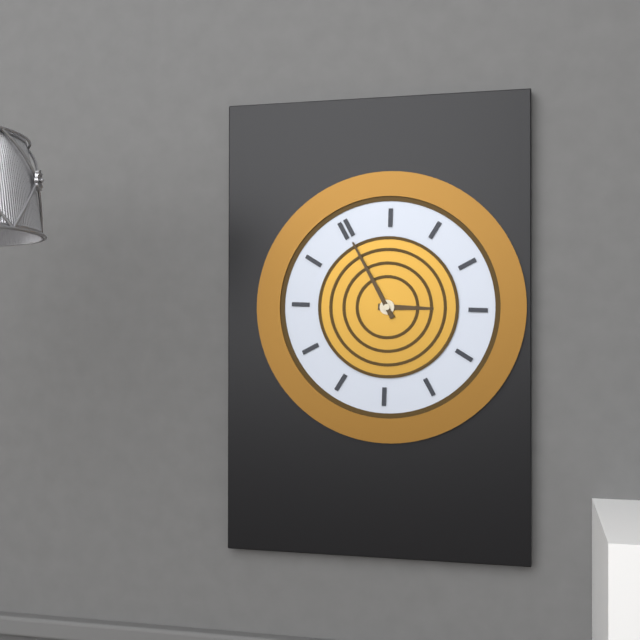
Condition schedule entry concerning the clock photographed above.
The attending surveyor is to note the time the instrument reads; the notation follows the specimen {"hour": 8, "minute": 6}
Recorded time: {"hour": 4, "minute": 0}
